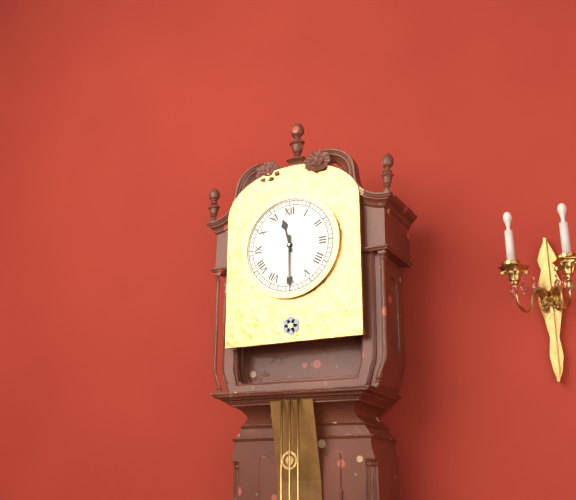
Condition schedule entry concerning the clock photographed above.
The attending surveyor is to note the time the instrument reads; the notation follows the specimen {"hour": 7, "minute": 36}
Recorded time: {"hour": 11, "minute": 30}
